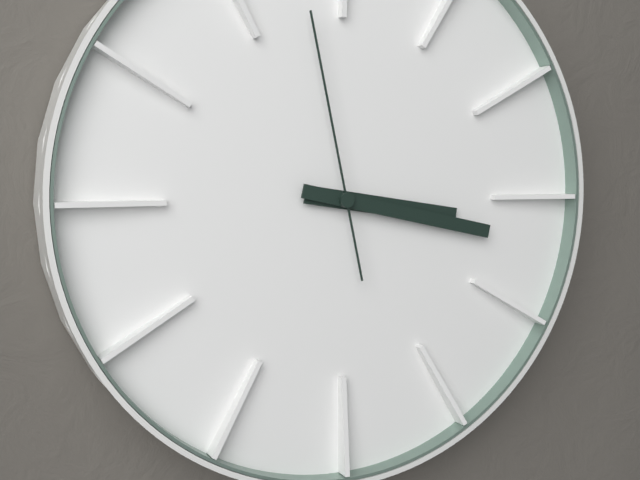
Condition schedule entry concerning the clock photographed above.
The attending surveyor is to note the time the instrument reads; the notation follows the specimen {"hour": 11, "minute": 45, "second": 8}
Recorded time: {"hour": 3, "minute": 17, "second": 58}
